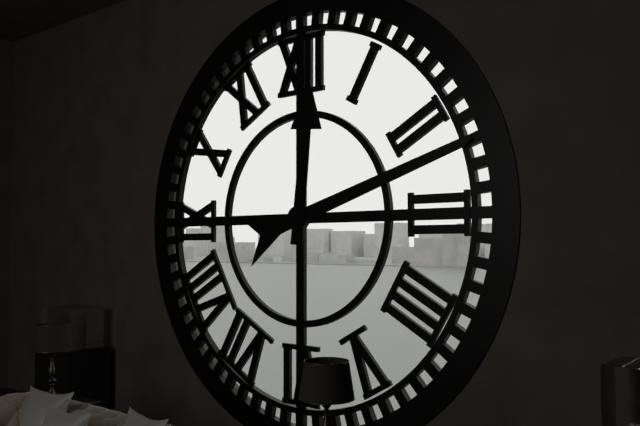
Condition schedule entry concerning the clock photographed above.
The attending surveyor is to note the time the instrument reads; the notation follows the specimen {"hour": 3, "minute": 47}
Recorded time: {"hour": 12, "minute": 12}
